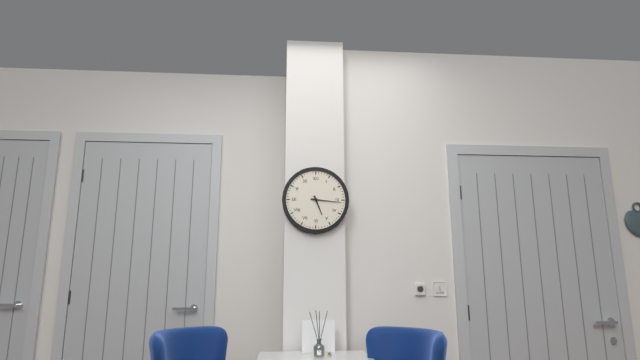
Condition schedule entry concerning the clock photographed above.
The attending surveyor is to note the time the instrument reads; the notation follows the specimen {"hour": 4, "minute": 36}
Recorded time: {"hour": 5, "minute": 16}
